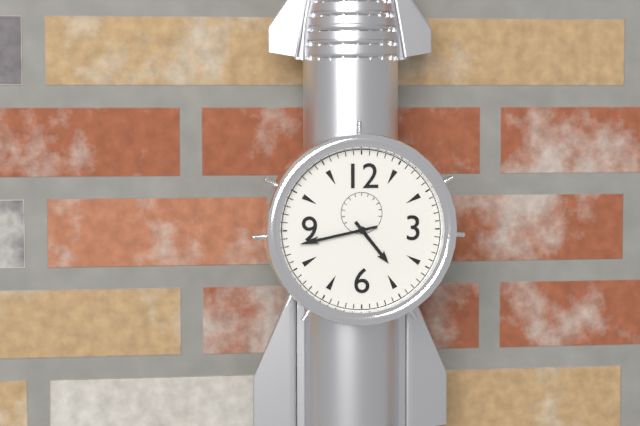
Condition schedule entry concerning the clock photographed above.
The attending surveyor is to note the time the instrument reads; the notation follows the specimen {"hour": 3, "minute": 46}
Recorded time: {"hour": 4, "minute": 43}
